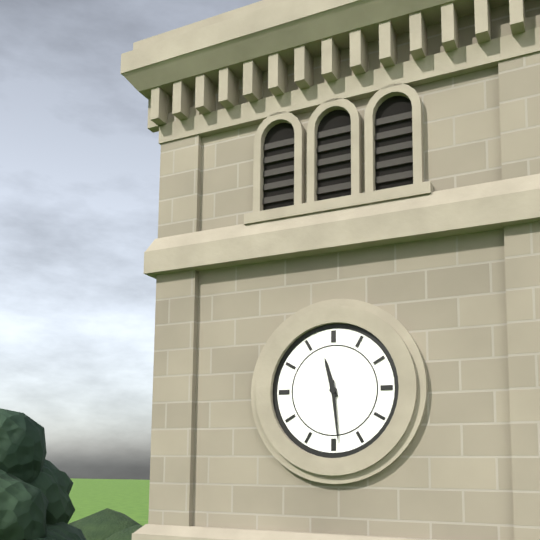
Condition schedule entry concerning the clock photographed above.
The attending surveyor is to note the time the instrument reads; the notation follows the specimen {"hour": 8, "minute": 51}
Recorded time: {"hour": 11, "minute": 29}
